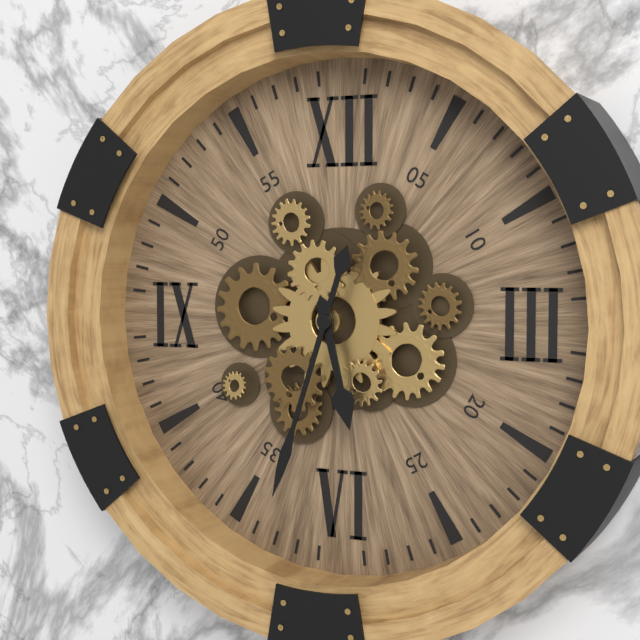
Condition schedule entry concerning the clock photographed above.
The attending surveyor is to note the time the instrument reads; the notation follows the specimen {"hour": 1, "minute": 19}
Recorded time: {"hour": 5, "minute": 33}
